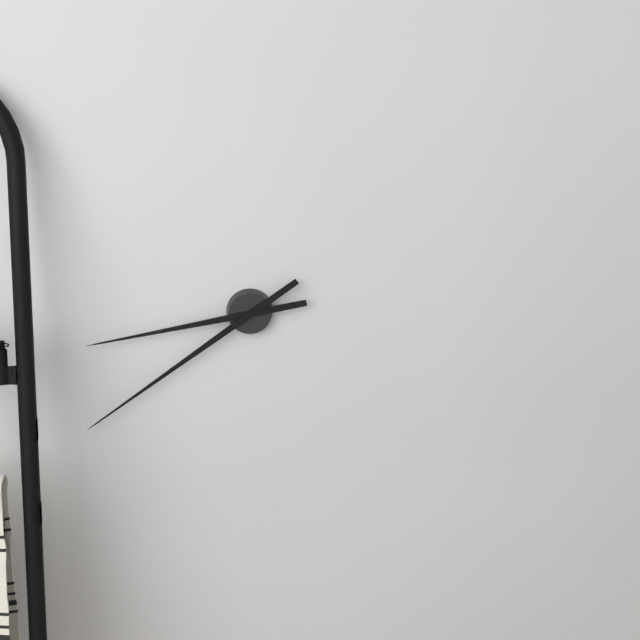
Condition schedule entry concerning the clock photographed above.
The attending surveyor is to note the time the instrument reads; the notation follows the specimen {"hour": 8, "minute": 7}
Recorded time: {"hour": 8, "minute": 39}
